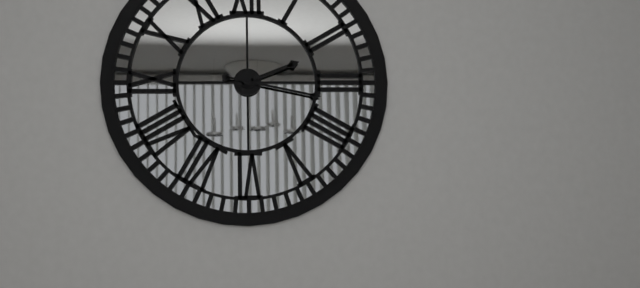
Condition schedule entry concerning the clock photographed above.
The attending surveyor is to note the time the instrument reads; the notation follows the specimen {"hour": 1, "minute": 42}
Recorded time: {"hour": 2, "minute": 17}
